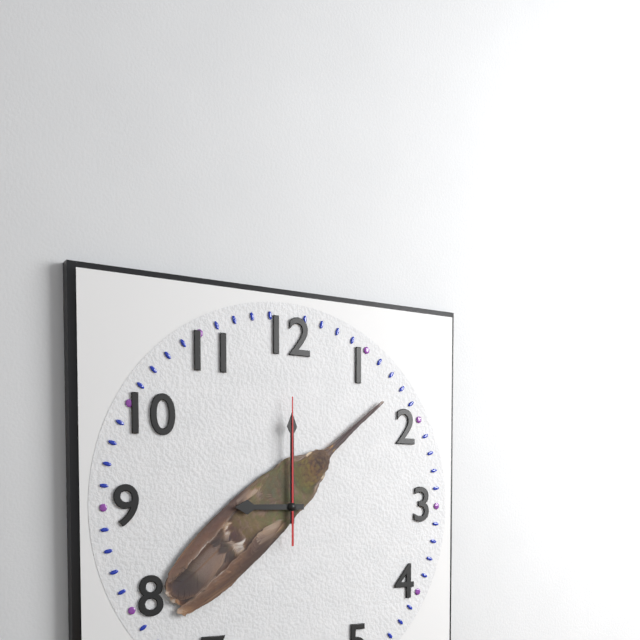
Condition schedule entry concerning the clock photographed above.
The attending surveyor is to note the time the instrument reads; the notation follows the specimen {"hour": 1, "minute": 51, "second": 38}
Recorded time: {"hour": 9, "minute": 0, "second": 0}
